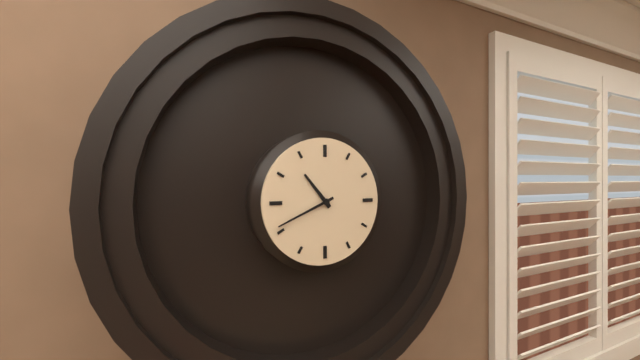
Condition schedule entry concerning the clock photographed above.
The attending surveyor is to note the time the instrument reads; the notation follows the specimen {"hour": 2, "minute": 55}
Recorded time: {"hour": 10, "minute": 41}
